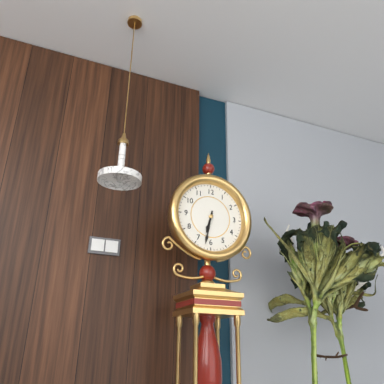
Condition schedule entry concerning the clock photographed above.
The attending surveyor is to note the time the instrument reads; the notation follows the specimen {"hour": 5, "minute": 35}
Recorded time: {"hour": 6, "minute": 32}
